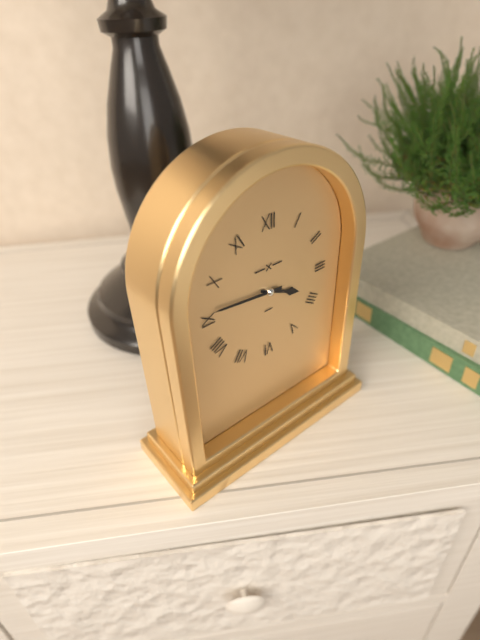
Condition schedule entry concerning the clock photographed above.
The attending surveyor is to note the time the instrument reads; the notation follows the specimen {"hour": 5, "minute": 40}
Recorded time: {"hour": 3, "minute": 46}
